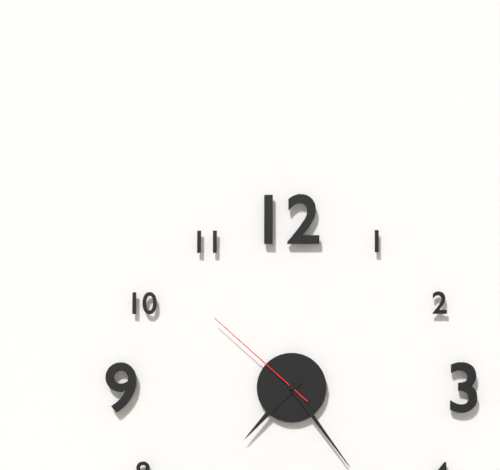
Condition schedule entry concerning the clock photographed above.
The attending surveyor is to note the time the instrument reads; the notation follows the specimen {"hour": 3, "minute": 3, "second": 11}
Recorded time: {"hour": 7, "minute": 24, "second": 52}
